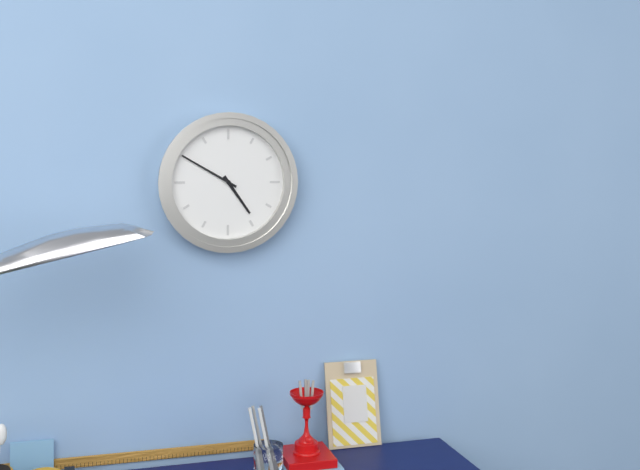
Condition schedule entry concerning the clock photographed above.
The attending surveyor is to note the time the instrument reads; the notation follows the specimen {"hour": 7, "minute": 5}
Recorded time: {"hour": 4, "minute": 50}
